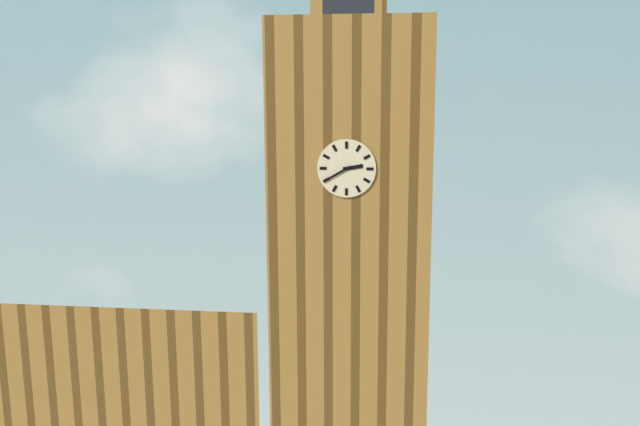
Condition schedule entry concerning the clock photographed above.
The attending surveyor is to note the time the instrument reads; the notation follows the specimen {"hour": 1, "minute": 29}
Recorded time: {"hour": 2, "minute": 40}
